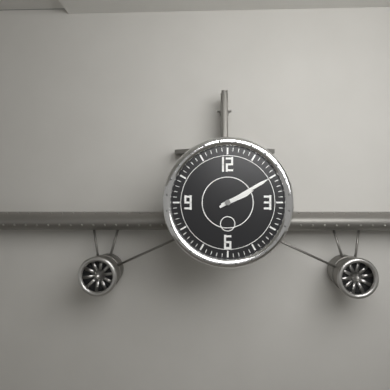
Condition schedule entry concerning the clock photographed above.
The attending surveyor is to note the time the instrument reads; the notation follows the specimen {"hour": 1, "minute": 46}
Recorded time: {"hour": 2, "minute": 10}
